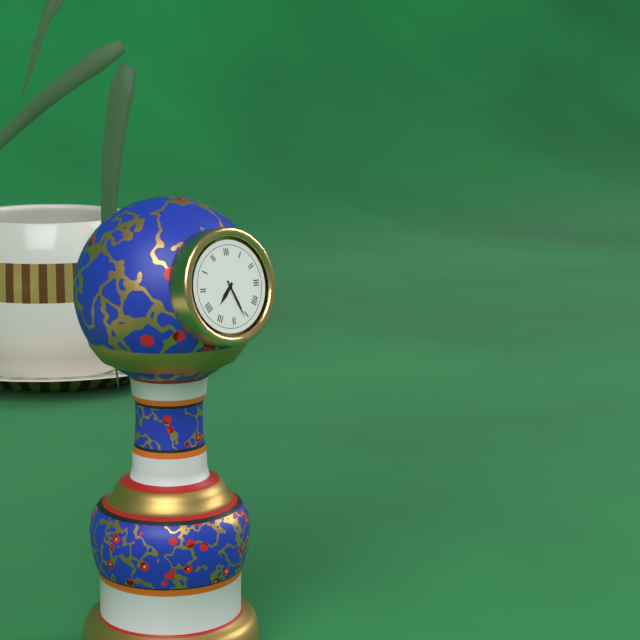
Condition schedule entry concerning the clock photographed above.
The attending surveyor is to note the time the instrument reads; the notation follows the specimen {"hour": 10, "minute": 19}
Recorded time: {"hour": 7, "minute": 26}
